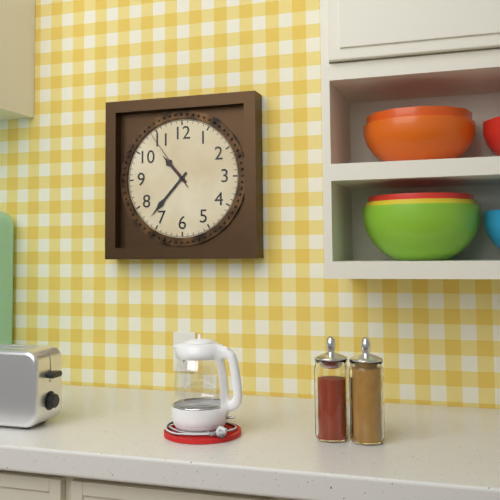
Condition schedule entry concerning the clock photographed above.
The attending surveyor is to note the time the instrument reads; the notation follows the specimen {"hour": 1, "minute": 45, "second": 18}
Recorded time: {"hour": 10, "minute": 37, "second": 54}
